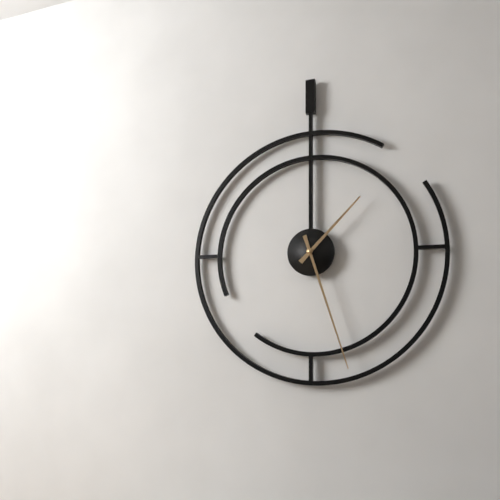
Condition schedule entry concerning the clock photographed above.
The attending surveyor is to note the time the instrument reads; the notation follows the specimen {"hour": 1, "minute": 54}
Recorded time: {"hour": 1, "minute": 27}
